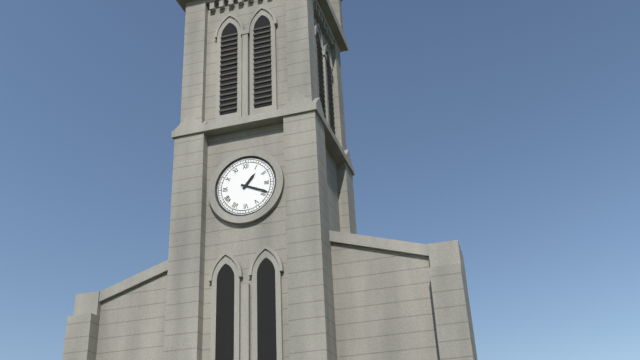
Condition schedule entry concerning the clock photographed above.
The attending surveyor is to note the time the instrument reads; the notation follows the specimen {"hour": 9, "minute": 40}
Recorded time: {"hour": 1, "minute": 19}
